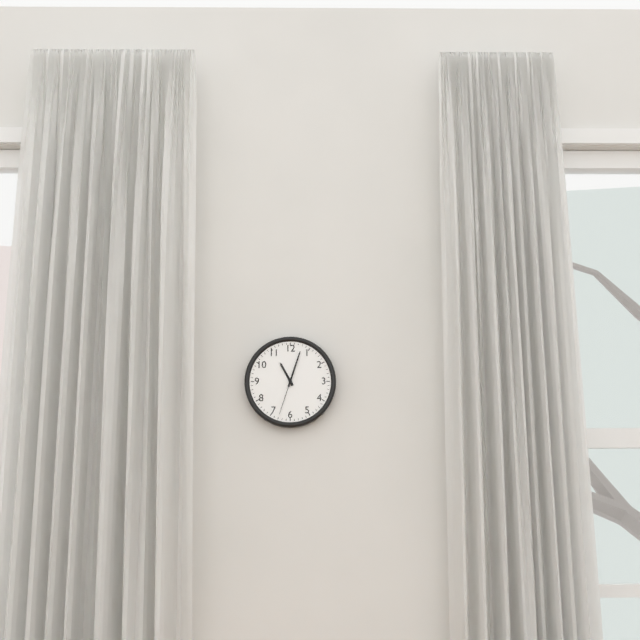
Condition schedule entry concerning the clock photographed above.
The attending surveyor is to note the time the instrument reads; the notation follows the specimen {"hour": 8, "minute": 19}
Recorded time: {"hour": 11, "minute": 3}
